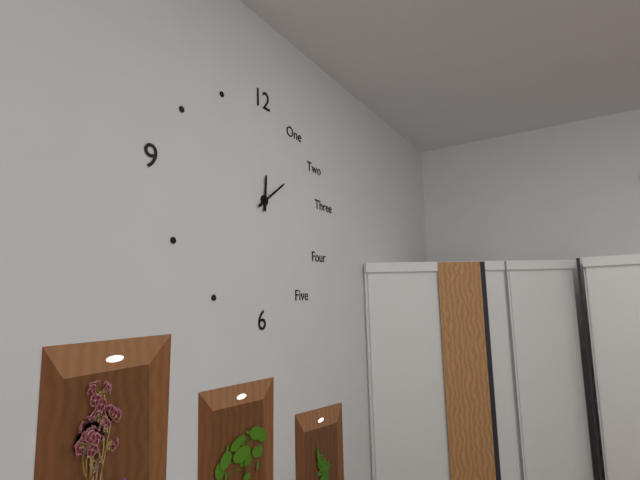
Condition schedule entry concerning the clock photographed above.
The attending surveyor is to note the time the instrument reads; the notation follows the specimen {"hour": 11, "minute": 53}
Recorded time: {"hour": 12, "minute": 9}
